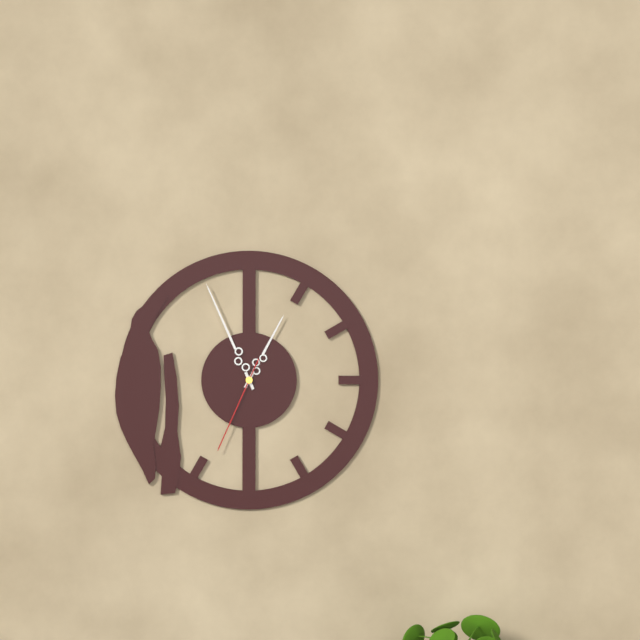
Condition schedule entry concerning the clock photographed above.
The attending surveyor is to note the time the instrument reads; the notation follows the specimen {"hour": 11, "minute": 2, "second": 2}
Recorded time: {"hour": 12, "minute": 56, "second": 34}
